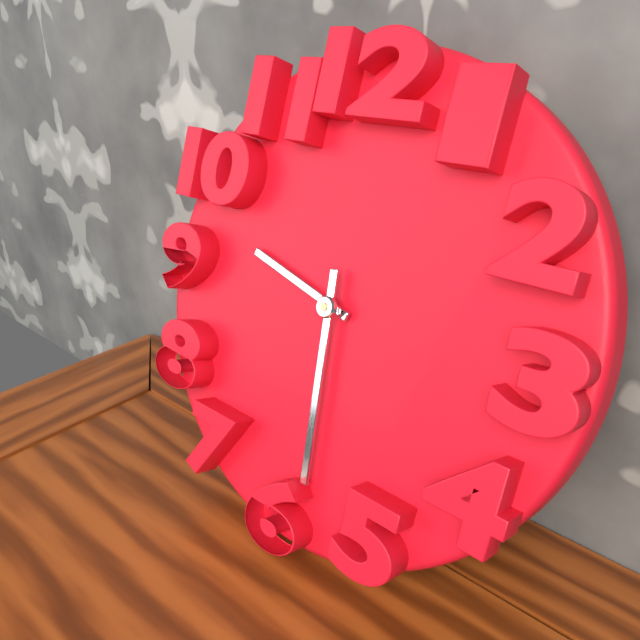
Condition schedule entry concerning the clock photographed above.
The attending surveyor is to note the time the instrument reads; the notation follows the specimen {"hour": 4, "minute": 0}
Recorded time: {"hour": 9, "minute": 29}
